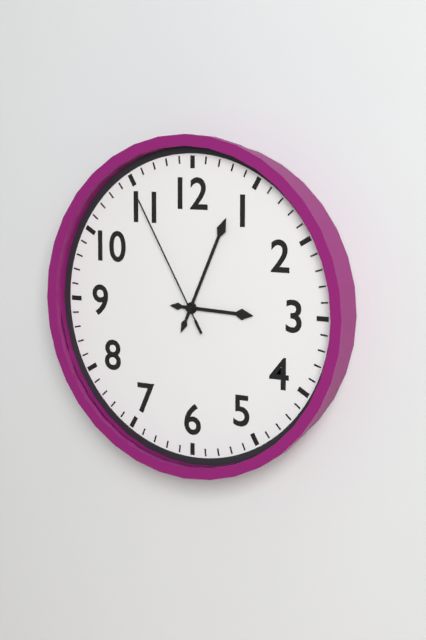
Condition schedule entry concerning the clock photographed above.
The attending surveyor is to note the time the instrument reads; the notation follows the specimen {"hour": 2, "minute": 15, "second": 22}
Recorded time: {"hour": 3, "minute": 4, "second": 55}
